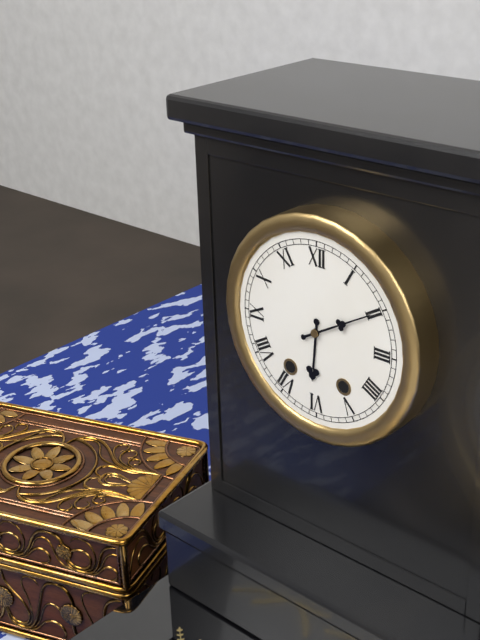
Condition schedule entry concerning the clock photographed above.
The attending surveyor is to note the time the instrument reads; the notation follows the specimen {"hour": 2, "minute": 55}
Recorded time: {"hour": 6, "minute": 10}
